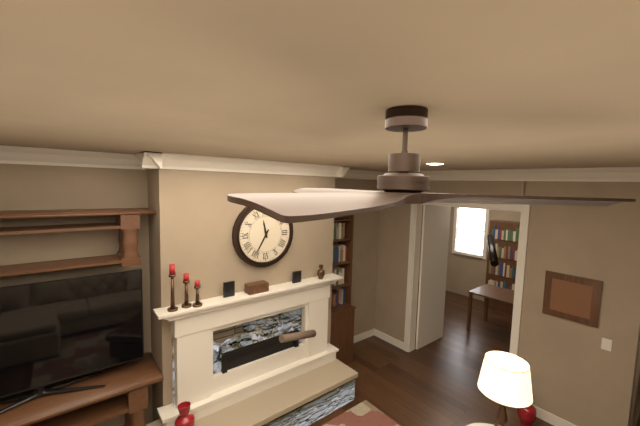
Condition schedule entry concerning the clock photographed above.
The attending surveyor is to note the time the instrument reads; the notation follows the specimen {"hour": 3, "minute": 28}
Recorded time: {"hour": 11, "minute": 35}
